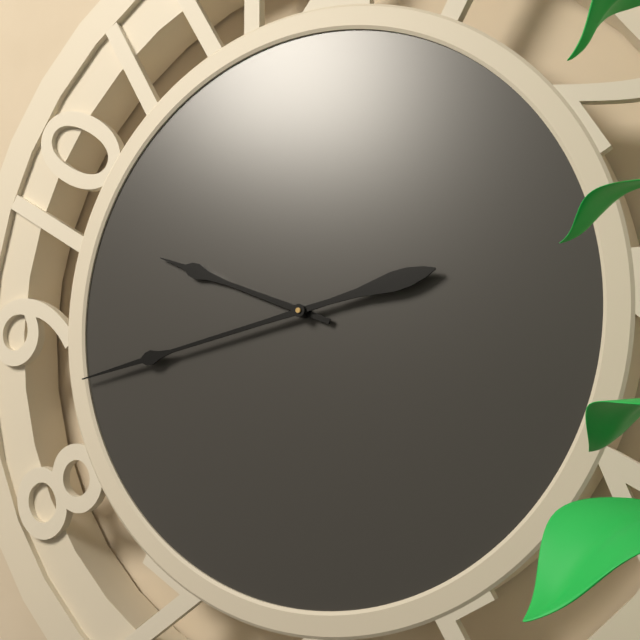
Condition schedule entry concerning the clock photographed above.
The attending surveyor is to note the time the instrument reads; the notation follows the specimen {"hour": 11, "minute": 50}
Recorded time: {"hour": 9, "minute": 43}
